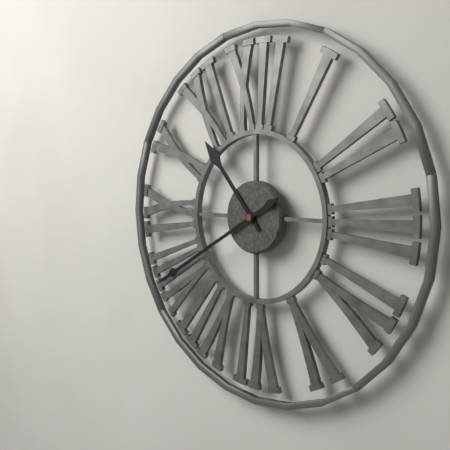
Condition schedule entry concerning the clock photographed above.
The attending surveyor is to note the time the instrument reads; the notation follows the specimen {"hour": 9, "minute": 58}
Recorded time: {"hour": 10, "minute": 40}
